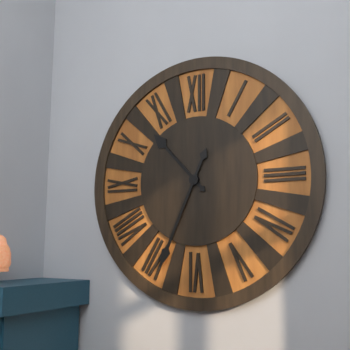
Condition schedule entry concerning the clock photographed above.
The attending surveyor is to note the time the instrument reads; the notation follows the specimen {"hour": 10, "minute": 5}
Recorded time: {"hour": 10, "minute": 34}
